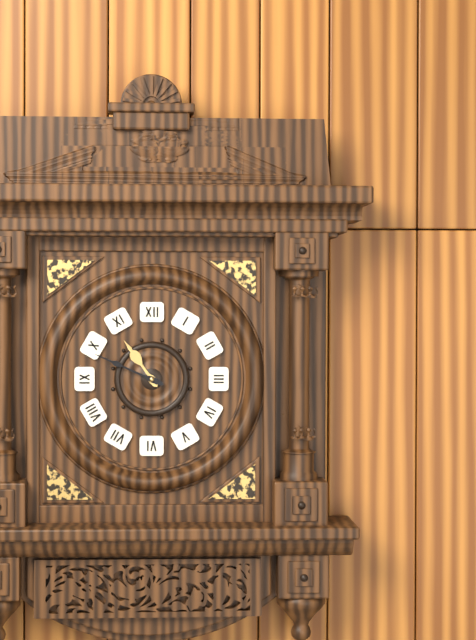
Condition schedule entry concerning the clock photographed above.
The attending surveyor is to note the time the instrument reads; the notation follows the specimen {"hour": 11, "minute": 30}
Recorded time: {"hour": 10, "minute": 49}
